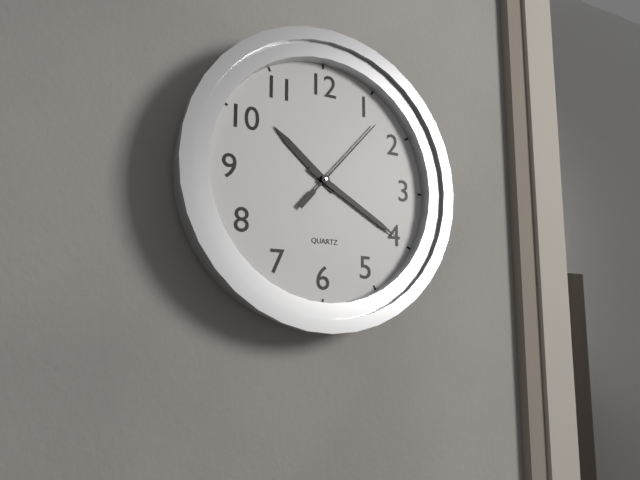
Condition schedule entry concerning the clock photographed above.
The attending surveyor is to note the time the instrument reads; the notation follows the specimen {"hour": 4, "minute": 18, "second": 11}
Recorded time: {"hour": 10, "minute": 20, "second": 7}
